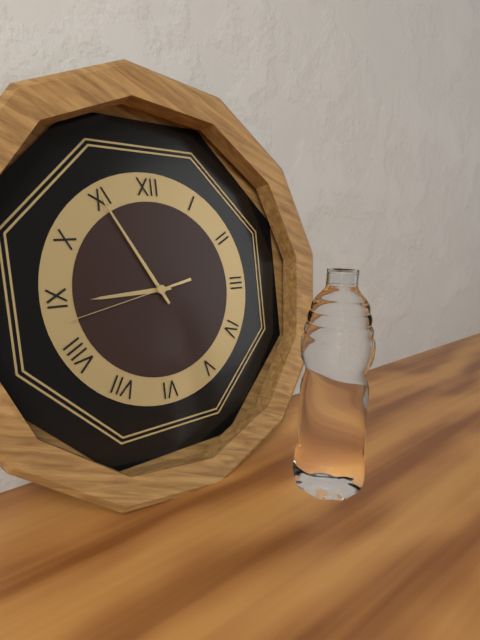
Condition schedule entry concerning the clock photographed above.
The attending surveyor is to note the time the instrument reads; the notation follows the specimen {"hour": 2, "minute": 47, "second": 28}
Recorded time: {"hour": 8, "minute": 55, "second": 43}
